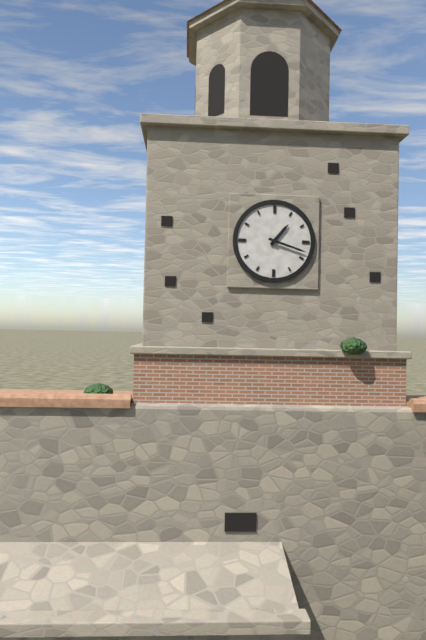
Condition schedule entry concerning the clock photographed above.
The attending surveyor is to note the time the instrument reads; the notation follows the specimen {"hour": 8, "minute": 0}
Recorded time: {"hour": 1, "minute": 18}
